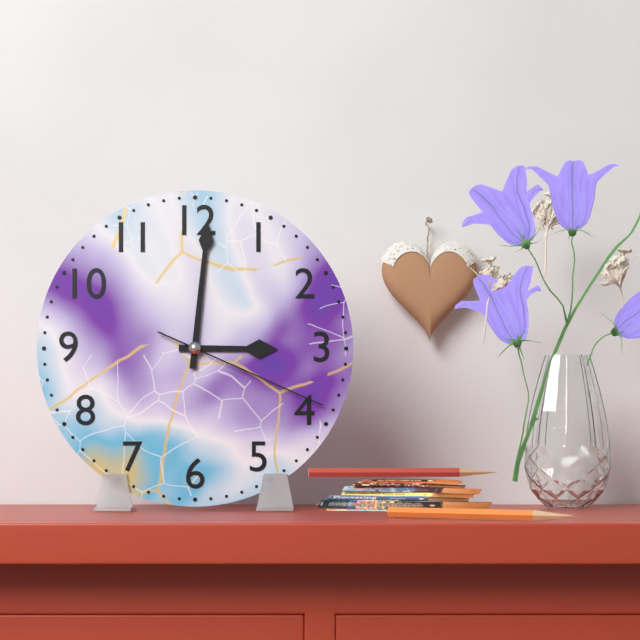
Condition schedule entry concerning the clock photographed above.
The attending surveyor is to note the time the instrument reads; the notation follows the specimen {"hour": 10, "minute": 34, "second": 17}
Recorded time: {"hour": 3, "minute": 1, "second": 19}
